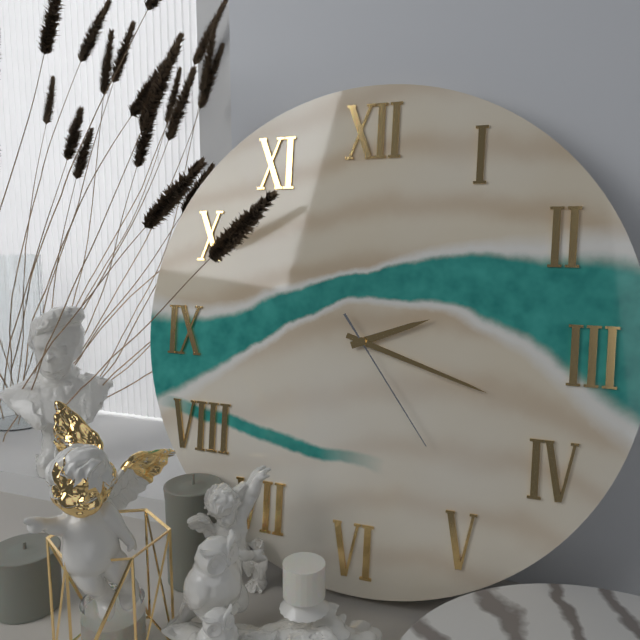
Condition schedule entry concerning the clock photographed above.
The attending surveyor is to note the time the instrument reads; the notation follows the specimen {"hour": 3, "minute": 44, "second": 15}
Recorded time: {"hour": 2, "minute": 18, "second": 24}
